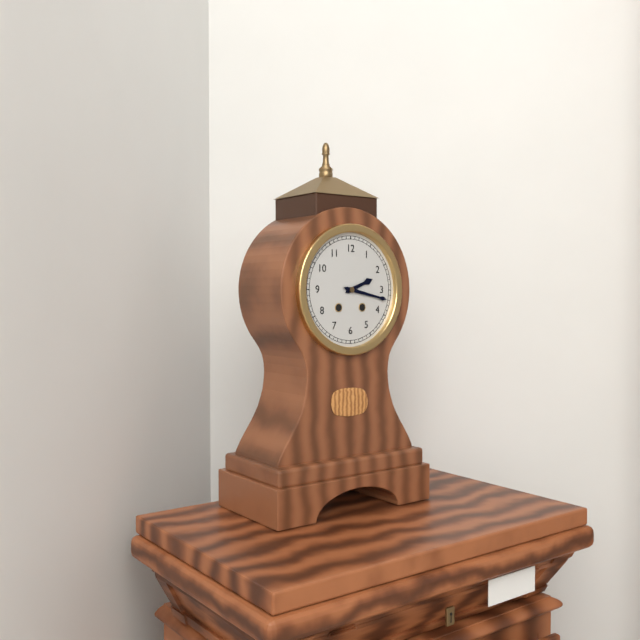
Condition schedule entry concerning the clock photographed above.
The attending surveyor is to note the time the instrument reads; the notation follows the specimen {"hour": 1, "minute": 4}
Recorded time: {"hour": 2, "minute": 17}
